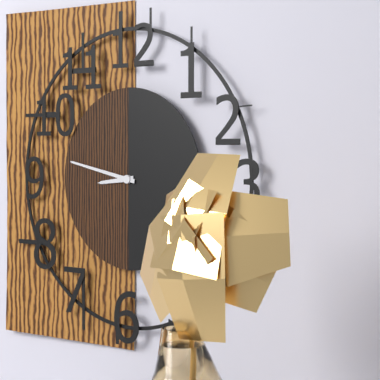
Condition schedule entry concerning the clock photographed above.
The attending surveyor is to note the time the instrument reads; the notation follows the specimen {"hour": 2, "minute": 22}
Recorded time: {"hour": 8, "minute": 47}
